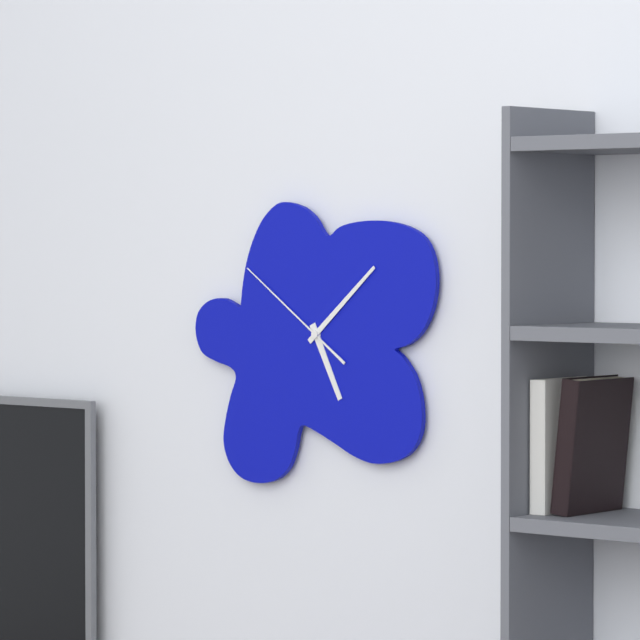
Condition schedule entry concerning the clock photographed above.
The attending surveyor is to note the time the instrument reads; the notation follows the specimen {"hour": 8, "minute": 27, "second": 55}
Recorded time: {"hour": 5, "minute": 8, "second": 51}
